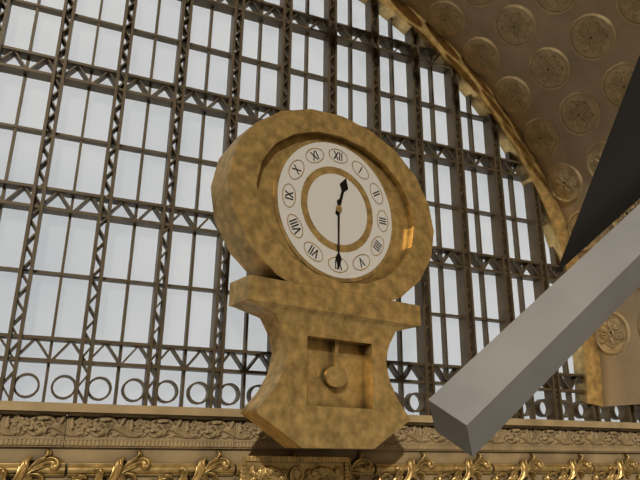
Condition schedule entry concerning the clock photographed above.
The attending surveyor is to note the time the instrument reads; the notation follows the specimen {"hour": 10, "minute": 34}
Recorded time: {"hour": 12, "minute": 30}
